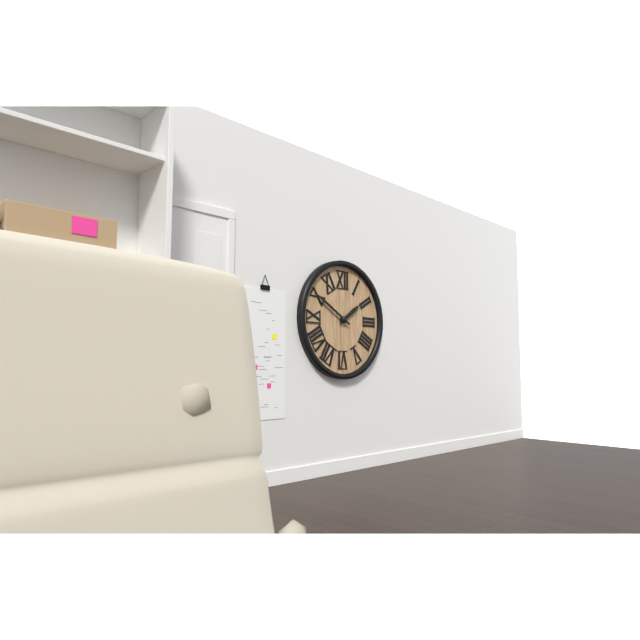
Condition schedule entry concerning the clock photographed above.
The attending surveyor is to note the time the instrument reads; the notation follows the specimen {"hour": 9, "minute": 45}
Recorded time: {"hour": 1, "minute": 50}
